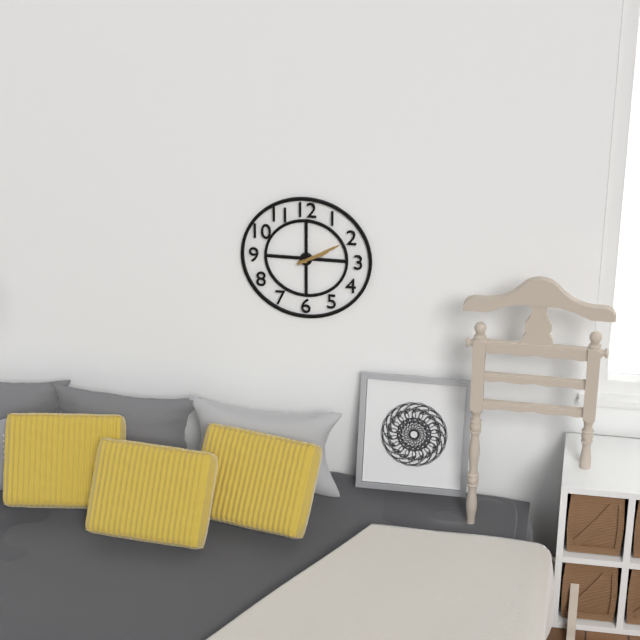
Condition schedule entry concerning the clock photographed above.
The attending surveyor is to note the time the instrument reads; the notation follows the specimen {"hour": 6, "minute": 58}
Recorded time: {"hour": 2, "minute": 10}
